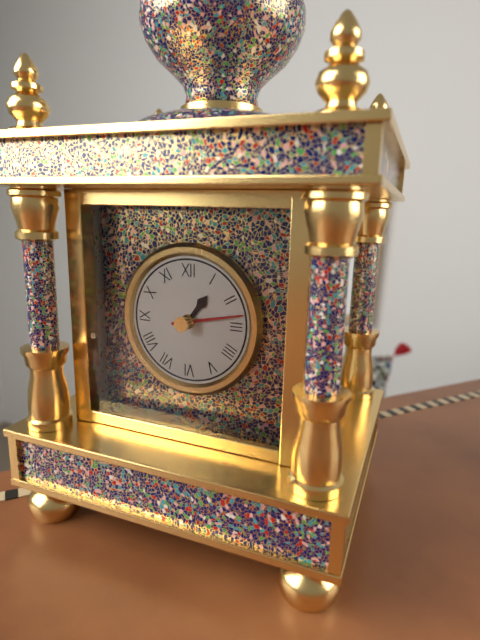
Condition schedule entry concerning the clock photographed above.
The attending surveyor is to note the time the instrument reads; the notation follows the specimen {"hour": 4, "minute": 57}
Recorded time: {"hour": 1, "minute": 13}
